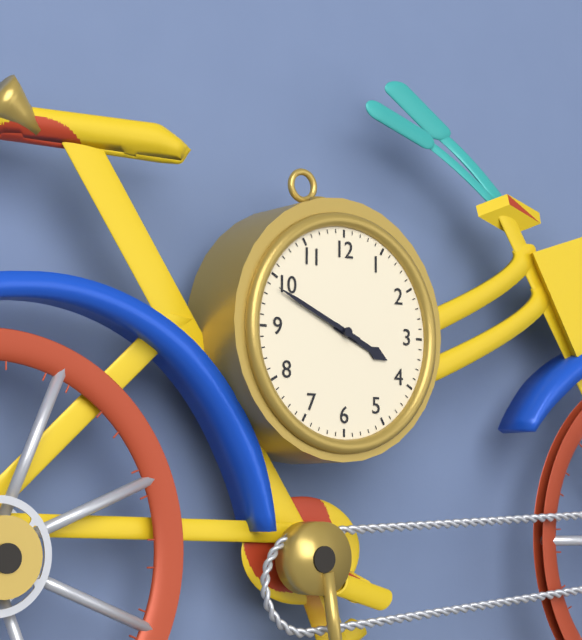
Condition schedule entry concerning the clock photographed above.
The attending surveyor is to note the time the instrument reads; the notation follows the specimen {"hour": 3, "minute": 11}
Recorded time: {"hour": 3, "minute": 49}
